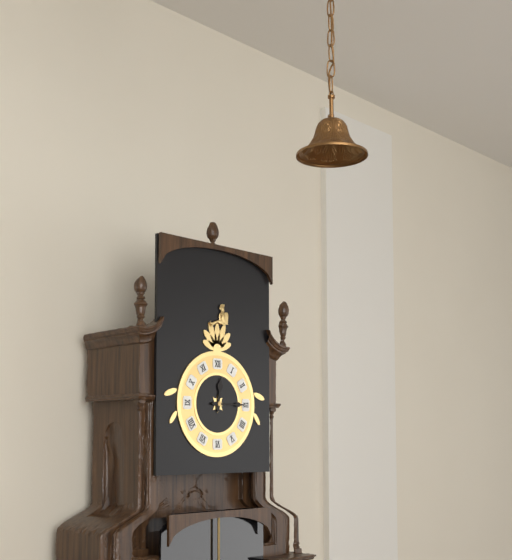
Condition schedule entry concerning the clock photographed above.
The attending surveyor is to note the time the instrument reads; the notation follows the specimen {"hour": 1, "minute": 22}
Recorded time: {"hour": 12, "minute": 15}
